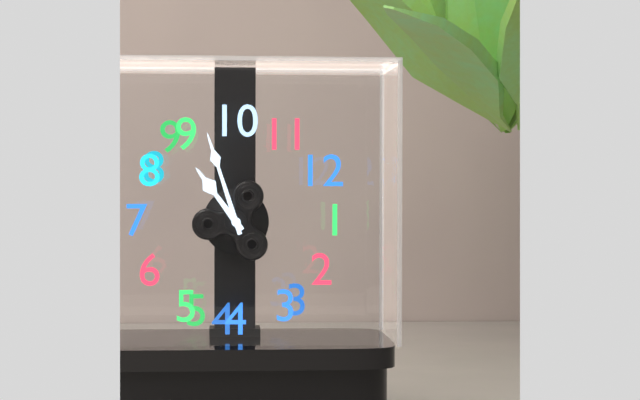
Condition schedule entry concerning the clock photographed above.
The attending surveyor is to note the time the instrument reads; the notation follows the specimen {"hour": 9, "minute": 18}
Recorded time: {"hour": 8, "minute": 47}
